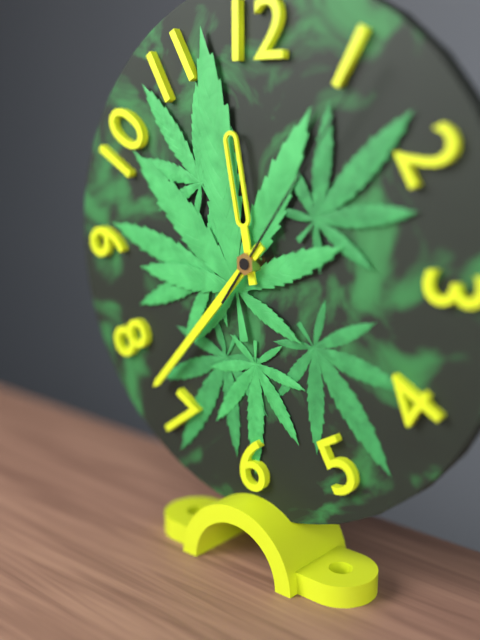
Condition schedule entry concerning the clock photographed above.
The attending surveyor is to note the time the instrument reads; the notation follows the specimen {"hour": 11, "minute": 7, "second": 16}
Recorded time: {"hour": 11, "minute": 37, "second": 6}
